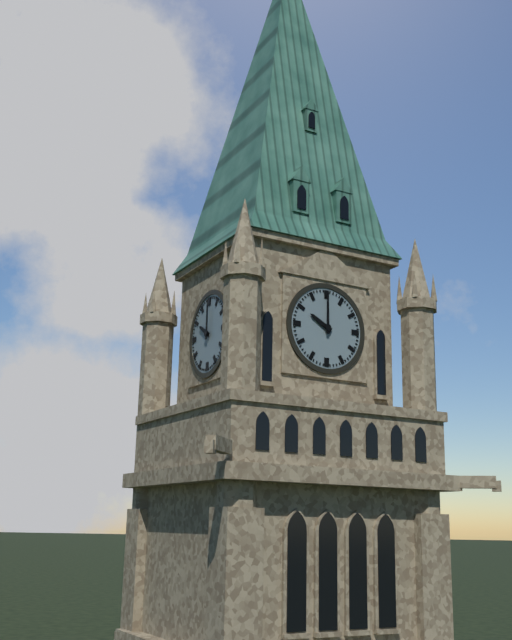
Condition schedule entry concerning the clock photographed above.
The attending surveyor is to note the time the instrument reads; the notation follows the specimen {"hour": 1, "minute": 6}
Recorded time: {"hour": 10, "minute": 0}
